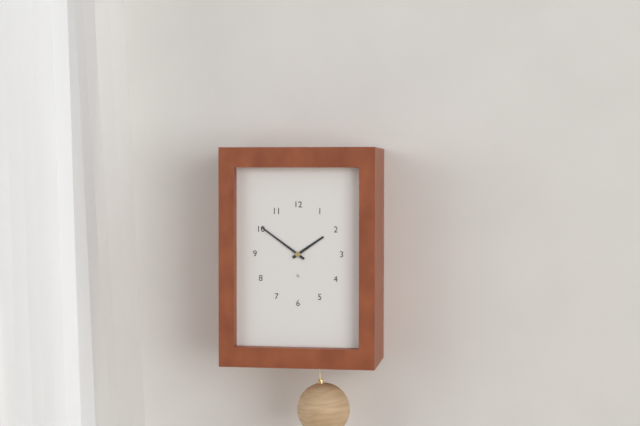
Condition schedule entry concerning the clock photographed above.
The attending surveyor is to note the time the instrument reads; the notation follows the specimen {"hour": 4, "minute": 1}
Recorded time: {"hour": 1, "minute": 51}
